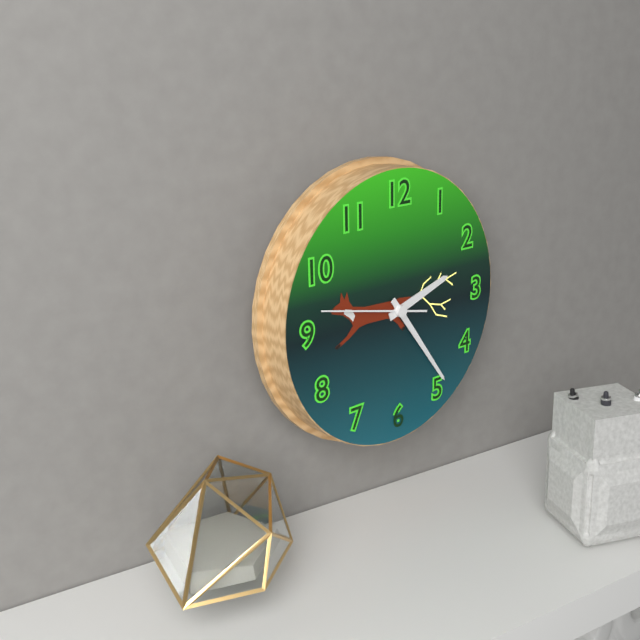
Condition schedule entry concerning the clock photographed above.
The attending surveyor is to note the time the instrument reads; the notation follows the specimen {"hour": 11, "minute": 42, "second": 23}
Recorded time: {"hour": 2, "minute": 24, "second": 47}
